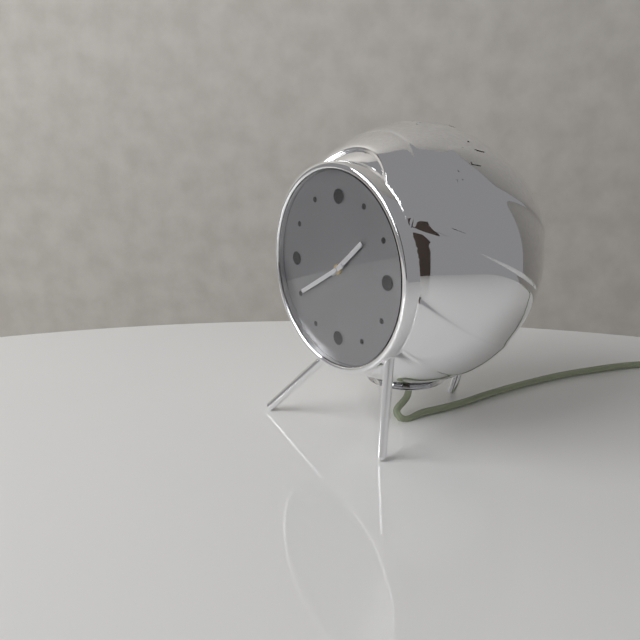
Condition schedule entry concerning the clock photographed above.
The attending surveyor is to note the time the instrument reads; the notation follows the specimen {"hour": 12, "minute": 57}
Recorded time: {"hour": 1, "minute": 40}
